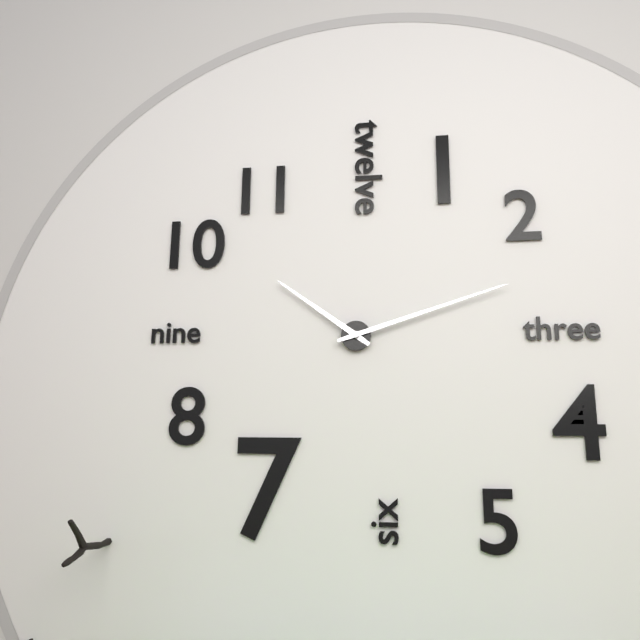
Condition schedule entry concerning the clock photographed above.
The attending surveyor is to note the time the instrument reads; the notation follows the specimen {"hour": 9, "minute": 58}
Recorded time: {"hour": 10, "minute": 12}
